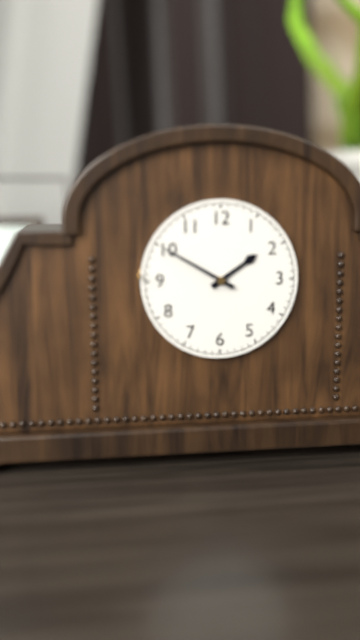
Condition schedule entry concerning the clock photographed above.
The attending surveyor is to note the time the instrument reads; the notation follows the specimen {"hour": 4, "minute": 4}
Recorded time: {"hour": 1, "minute": 50}
